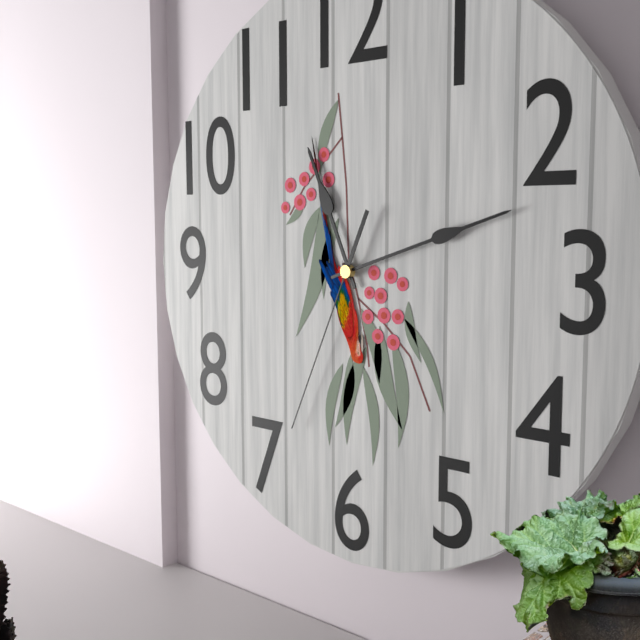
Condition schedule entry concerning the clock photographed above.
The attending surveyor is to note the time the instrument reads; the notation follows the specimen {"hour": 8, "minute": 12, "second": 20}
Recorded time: {"hour": 11, "minute": 12, "second": 34}
